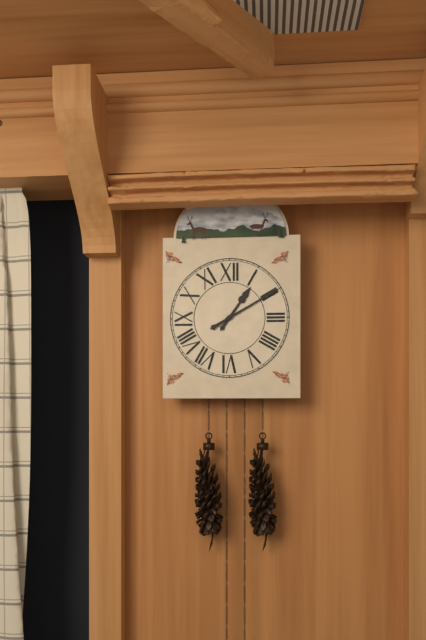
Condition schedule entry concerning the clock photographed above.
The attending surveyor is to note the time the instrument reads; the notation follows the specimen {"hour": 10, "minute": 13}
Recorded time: {"hour": 1, "minute": 10}
